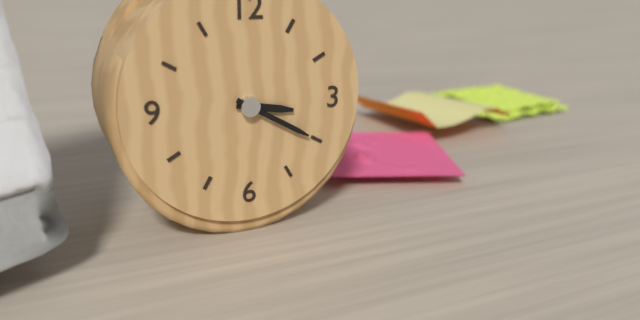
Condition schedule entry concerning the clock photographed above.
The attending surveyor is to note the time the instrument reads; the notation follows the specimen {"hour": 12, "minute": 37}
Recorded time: {"hour": 3, "minute": 20}
